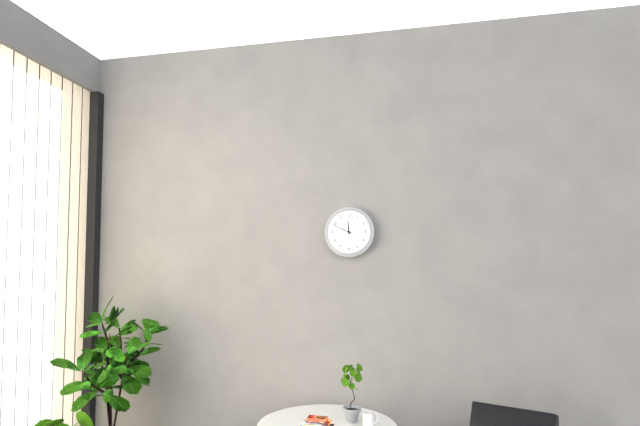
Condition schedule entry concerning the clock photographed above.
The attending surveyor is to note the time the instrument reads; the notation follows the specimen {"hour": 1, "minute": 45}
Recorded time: {"hour": 11, "minute": 49}
